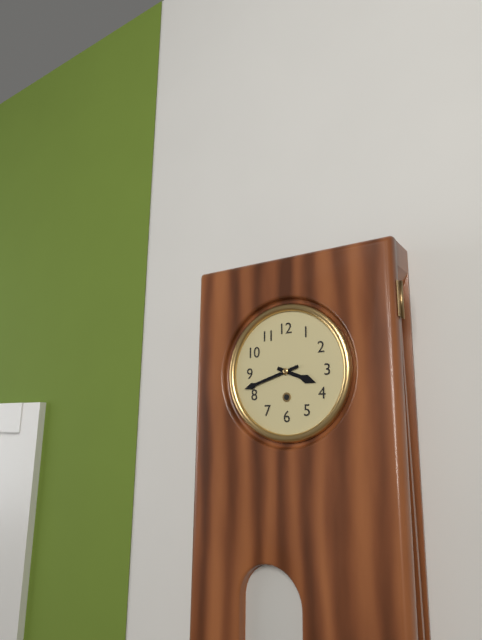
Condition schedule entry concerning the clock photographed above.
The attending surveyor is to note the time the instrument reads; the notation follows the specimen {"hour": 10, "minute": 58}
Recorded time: {"hour": 3, "minute": 42}
